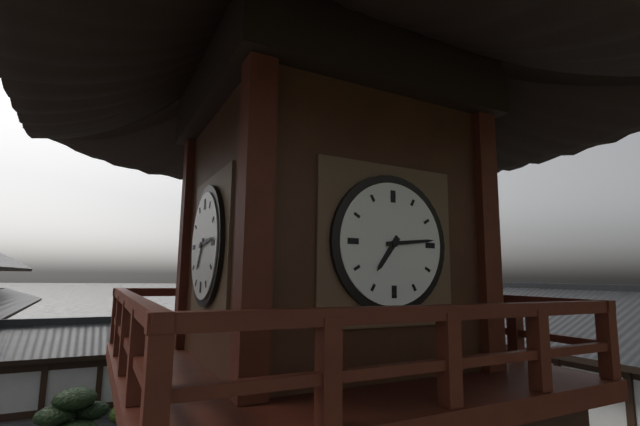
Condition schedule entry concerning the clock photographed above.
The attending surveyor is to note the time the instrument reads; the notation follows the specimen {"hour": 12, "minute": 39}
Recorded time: {"hour": 7, "minute": 14}
